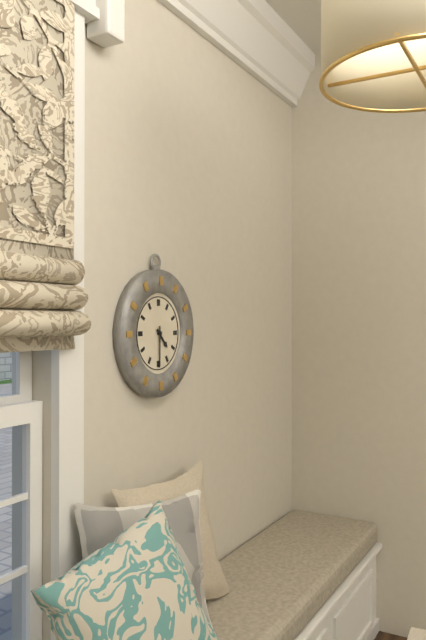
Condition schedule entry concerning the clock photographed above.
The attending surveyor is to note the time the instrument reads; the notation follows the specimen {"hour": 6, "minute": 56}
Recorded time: {"hour": 4, "minute": 30}
